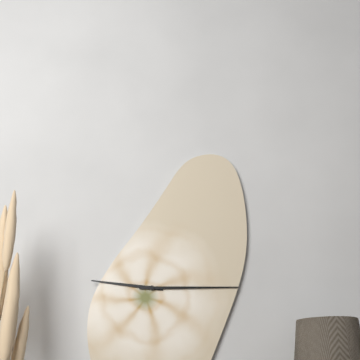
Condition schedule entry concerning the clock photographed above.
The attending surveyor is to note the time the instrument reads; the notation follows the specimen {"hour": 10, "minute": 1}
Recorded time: {"hour": 9, "minute": 15}
